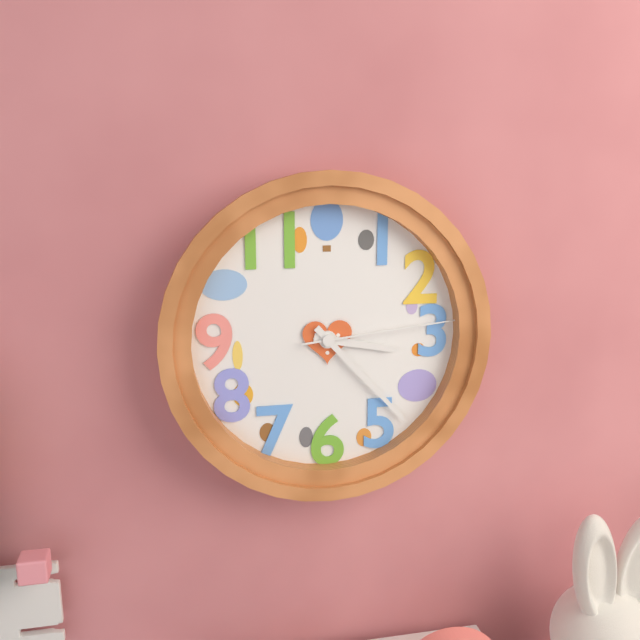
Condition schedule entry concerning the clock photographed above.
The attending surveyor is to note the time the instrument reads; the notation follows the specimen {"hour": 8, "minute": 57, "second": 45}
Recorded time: {"hour": 3, "minute": 23, "second": 14}
